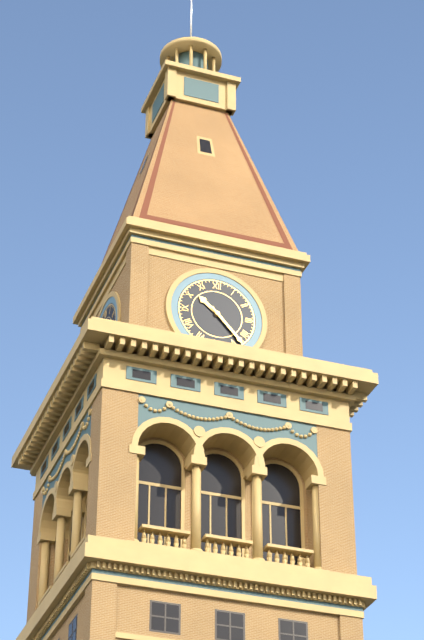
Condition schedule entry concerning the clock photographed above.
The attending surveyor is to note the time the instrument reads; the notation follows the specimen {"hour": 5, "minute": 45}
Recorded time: {"hour": 10, "minute": 23}
